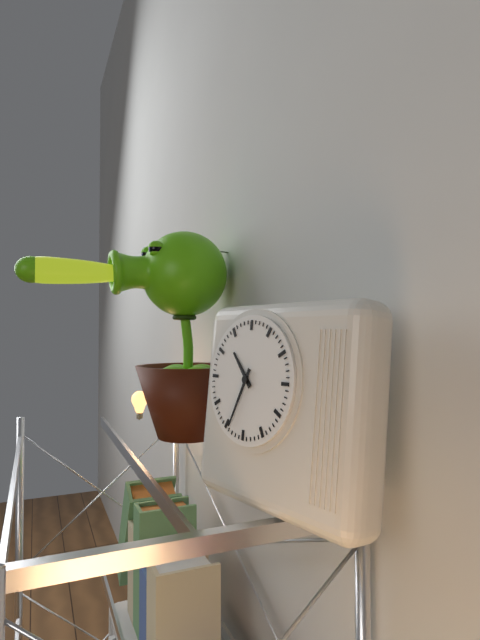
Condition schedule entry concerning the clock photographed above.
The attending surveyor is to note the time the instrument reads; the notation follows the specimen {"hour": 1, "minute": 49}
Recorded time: {"hour": 10, "minute": 34}
